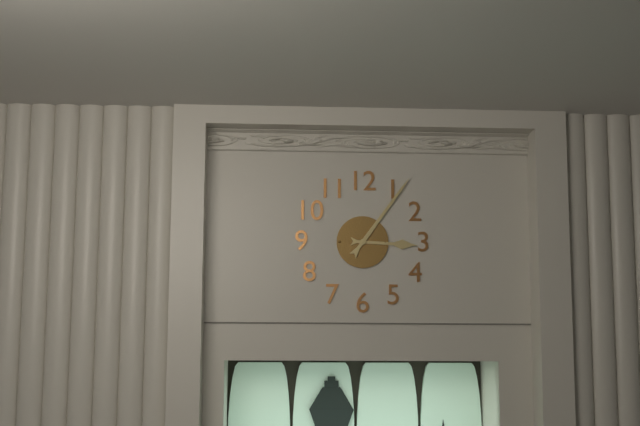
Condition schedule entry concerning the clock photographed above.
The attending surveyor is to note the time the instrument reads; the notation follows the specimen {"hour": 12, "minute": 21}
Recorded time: {"hour": 3, "minute": 6}
